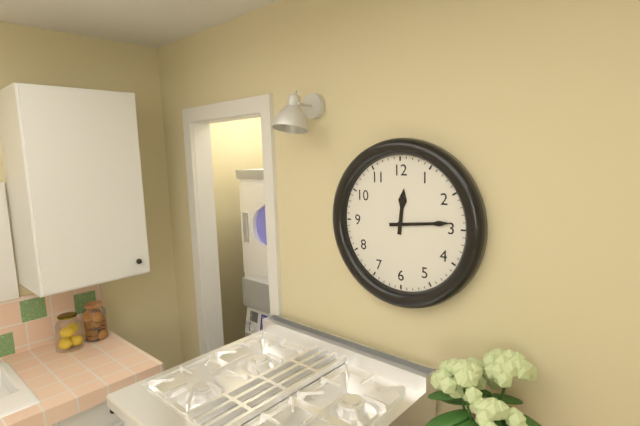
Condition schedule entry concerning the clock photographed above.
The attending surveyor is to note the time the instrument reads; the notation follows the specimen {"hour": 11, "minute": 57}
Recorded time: {"hour": 12, "minute": 14}
